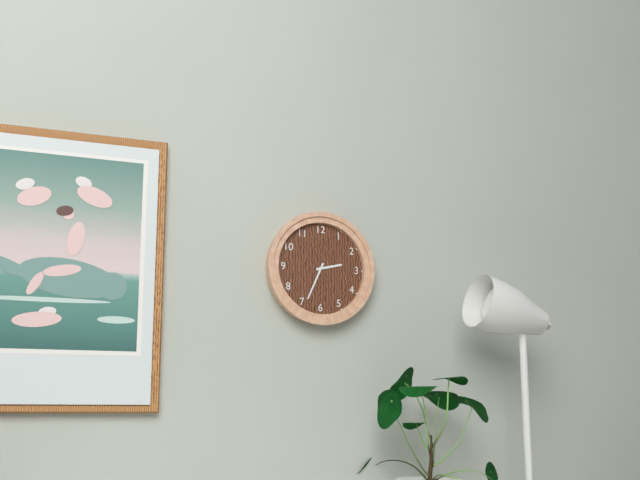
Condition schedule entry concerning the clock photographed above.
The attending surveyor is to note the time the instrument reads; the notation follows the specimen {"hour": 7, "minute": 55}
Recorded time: {"hour": 2, "minute": 34}
